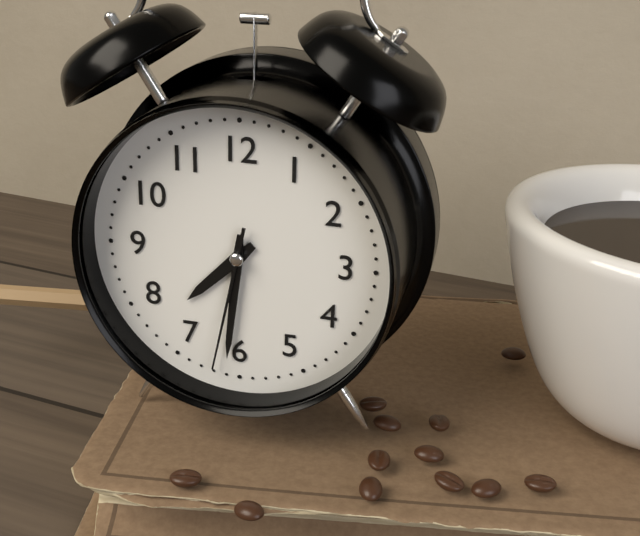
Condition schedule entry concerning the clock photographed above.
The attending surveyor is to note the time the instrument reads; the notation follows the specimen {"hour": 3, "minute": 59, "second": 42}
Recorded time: {"hour": 7, "minute": 31, "second": 32}
